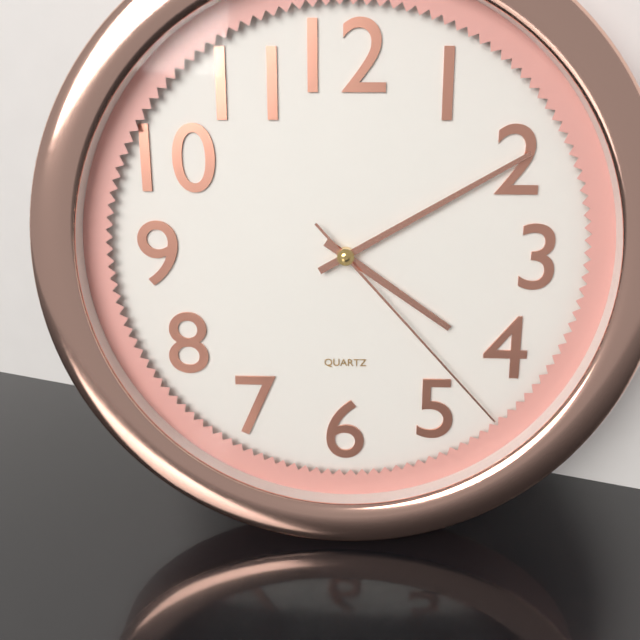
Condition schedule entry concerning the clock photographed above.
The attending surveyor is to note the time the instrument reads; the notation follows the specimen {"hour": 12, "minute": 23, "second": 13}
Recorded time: {"hour": 4, "minute": 10, "second": 23}
